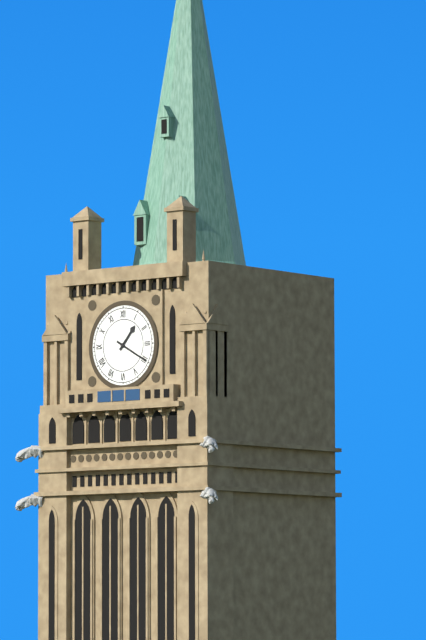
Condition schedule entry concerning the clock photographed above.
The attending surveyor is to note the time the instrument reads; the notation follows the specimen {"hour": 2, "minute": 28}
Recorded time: {"hour": 1, "minute": 20}
